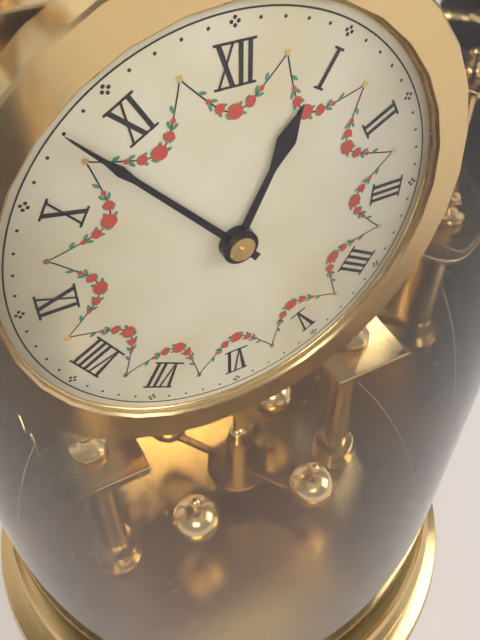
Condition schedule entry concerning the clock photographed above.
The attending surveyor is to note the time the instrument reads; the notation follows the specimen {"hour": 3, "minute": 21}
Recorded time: {"hour": 12, "minute": 53}
